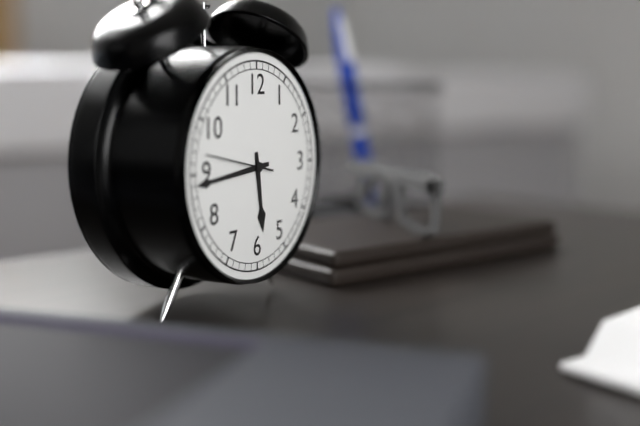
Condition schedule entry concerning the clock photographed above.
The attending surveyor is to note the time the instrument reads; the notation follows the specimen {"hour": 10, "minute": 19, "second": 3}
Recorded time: {"hour": 5, "minute": 44, "second": 47}
